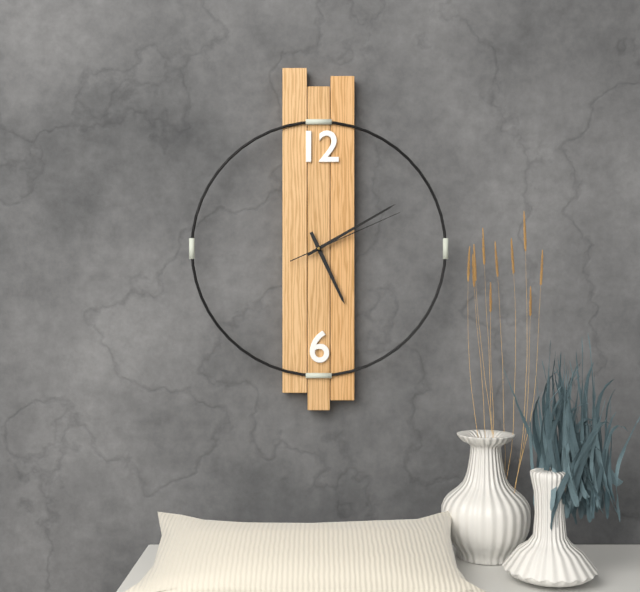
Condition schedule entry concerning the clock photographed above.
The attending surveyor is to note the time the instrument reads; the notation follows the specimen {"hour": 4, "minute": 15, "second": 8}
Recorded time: {"hour": 5, "minute": 10, "second": 11}
